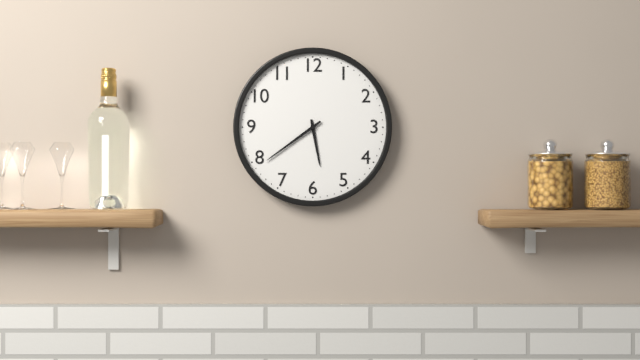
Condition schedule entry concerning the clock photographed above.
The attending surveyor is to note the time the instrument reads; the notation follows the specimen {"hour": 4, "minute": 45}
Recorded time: {"hour": 5, "minute": 39}
